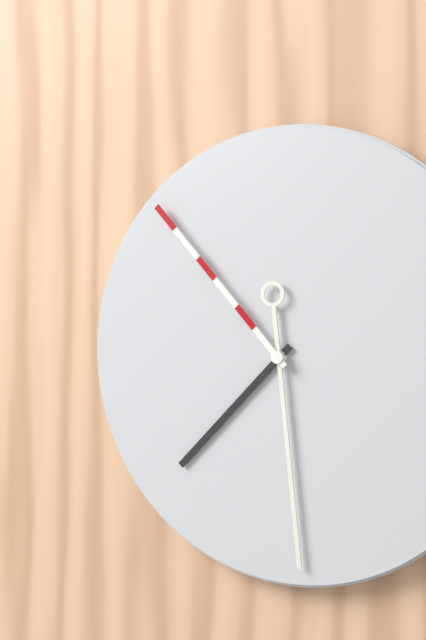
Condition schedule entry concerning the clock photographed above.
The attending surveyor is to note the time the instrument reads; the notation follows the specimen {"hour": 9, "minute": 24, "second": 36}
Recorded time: {"hour": 7, "minute": 29, "second": 53}
